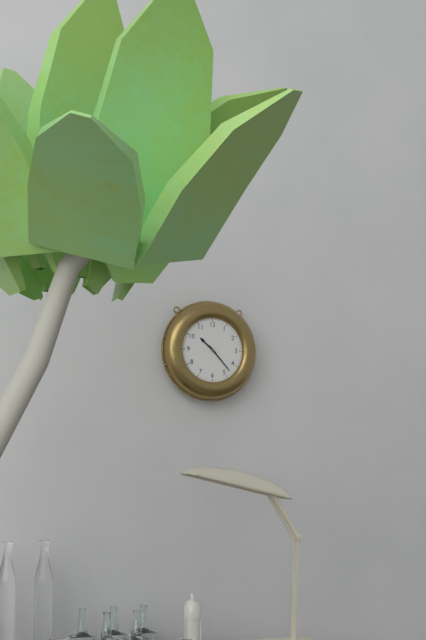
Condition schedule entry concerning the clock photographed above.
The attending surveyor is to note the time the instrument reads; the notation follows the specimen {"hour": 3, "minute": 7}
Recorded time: {"hour": 10, "minute": 23}
